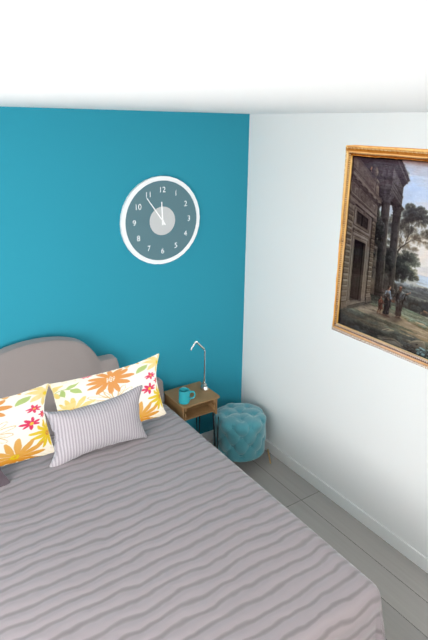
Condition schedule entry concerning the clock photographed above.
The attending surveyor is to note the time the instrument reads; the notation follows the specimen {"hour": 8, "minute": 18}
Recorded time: {"hour": 11, "minute": 54}
